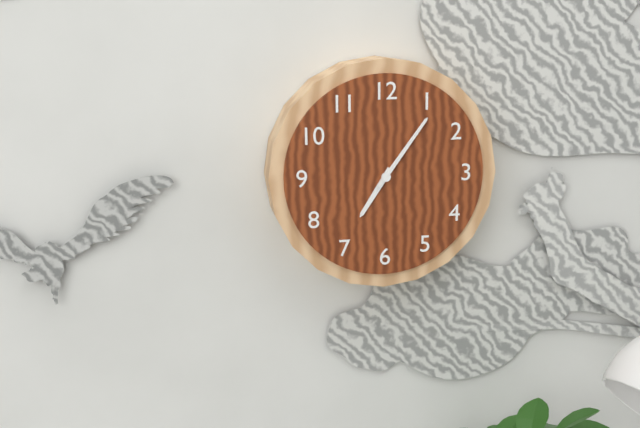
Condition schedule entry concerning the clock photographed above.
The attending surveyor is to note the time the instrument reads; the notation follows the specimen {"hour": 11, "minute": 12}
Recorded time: {"hour": 7, "minute": 6}
